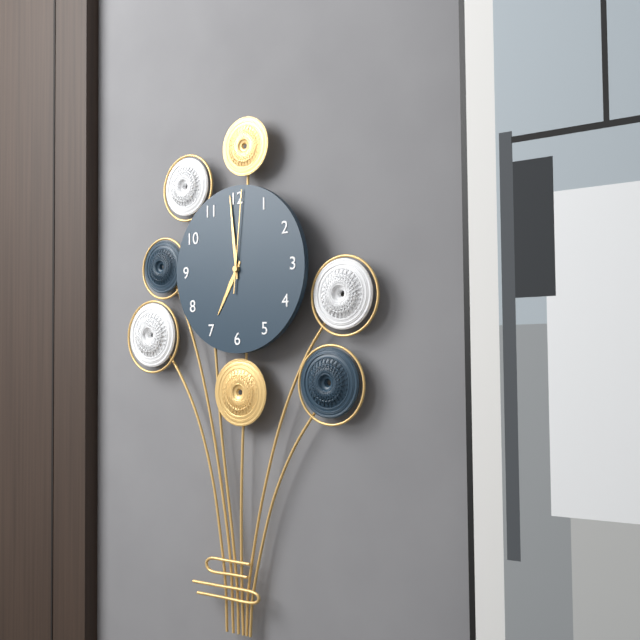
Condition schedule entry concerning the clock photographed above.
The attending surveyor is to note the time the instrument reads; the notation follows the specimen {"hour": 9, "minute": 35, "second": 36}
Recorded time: {"hour": 6, "minute": 59, "second": 1}
